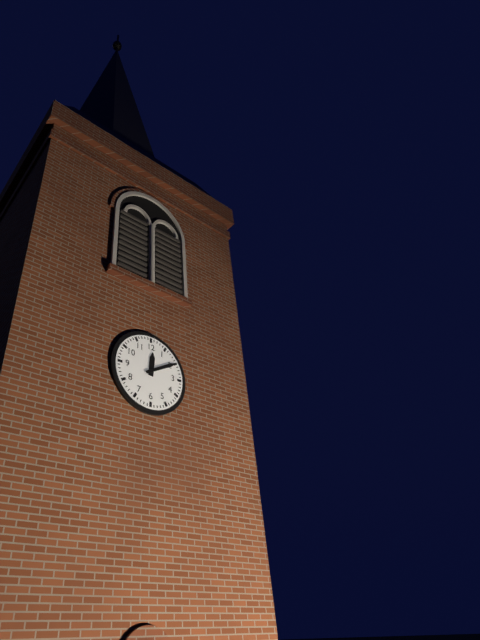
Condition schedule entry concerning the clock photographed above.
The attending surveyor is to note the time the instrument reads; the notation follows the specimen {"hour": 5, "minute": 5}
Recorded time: {"hour": 12, "minute": 10}
